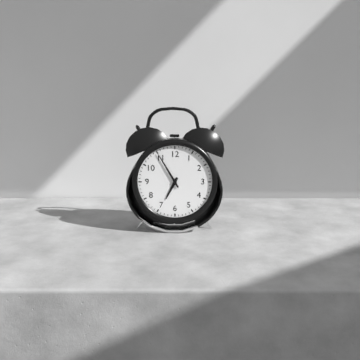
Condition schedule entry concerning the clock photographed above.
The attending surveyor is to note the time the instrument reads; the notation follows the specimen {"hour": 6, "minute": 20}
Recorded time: {"hour": 6, "minute": 55}
